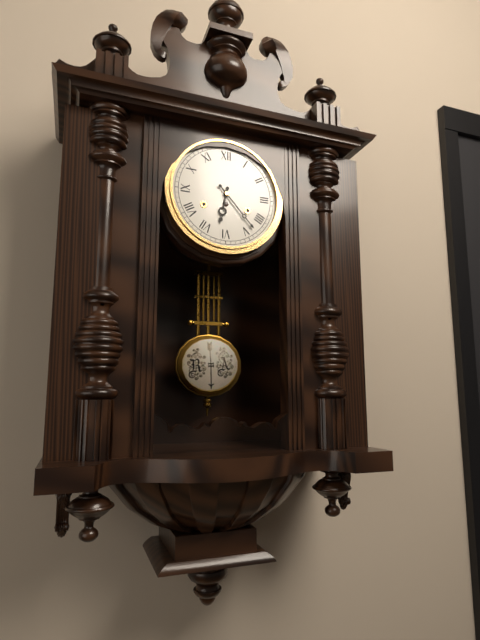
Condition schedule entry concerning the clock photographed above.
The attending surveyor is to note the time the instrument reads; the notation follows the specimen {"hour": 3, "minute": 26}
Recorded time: {"hour": 6, "minute": 23}
